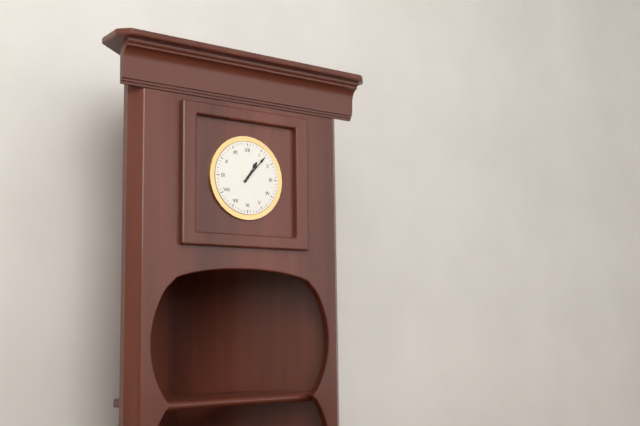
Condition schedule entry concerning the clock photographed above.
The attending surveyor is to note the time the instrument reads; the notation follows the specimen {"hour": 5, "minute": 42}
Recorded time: {"hour": 1, "minute": 7}
